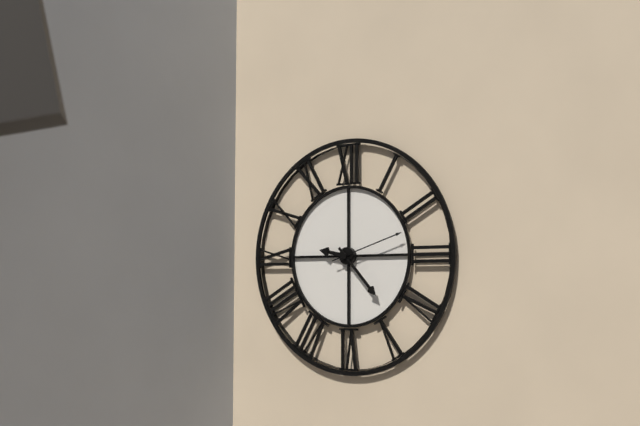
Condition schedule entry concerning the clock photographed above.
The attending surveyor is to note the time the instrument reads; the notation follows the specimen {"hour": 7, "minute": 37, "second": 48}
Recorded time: {"hour": 9, "minute": 23, "second": 12}
